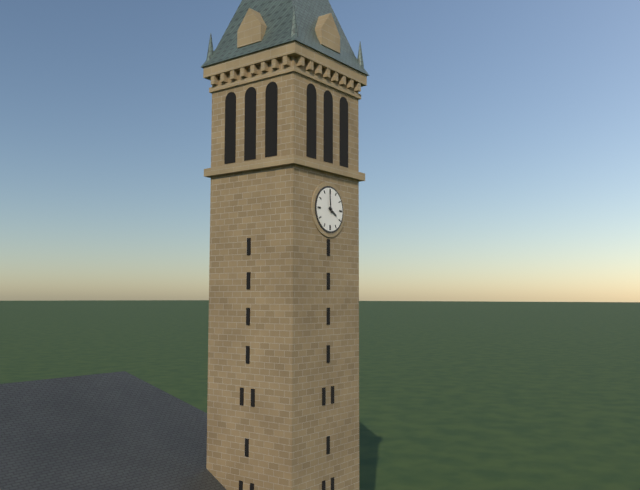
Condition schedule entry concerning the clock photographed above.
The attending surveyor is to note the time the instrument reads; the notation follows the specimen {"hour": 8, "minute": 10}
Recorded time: {"hour": 3, "minute": 59}
